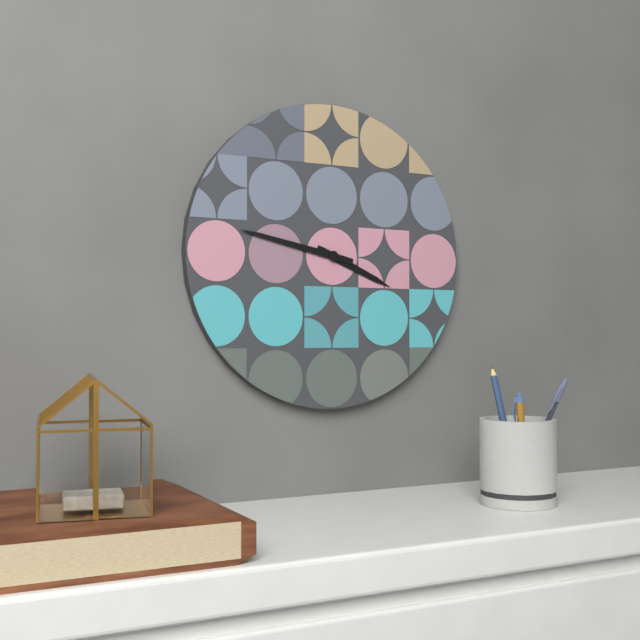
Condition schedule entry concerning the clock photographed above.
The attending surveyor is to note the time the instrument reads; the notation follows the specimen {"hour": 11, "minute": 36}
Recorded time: {"hour": 3, "minute": 47}
